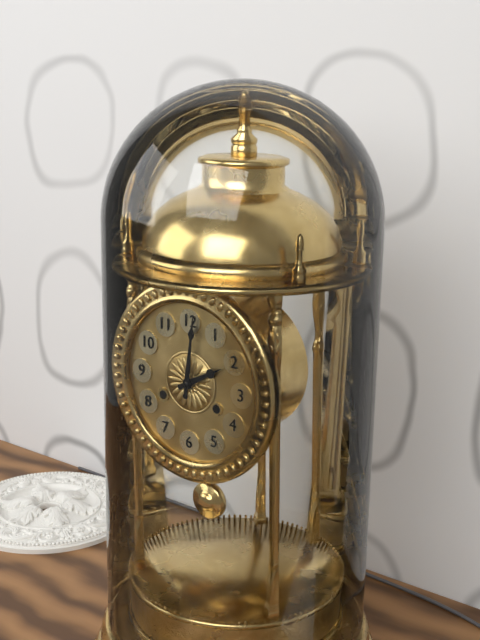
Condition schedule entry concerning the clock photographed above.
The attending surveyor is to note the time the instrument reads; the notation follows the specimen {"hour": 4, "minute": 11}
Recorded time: {"hour": 2, "minute": 1}
